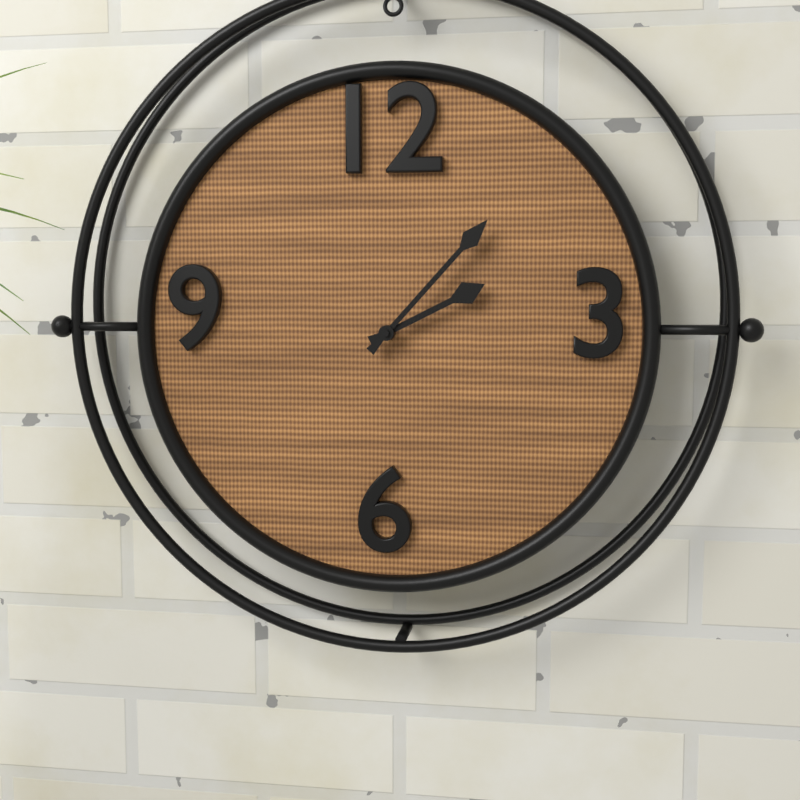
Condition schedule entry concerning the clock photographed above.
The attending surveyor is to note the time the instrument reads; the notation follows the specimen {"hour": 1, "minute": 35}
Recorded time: {"hour": 2, "minute": 7}
